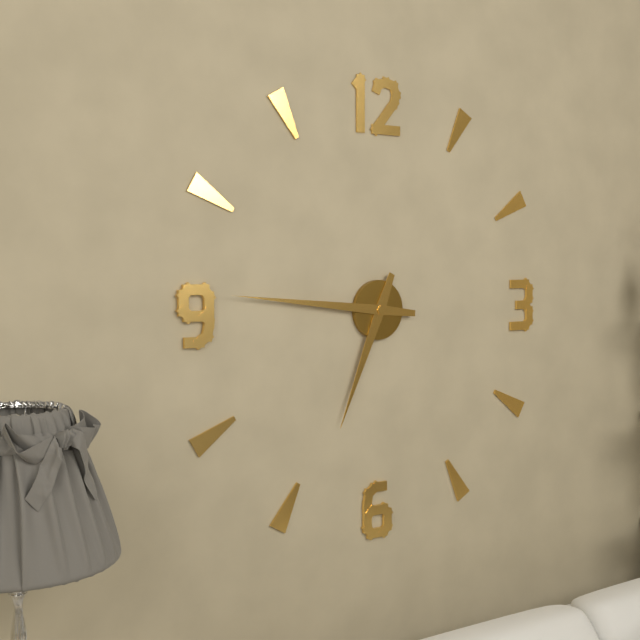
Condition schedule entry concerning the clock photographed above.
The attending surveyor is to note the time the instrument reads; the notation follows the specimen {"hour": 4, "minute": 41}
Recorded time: {"hour": 6, "minute": 46}
